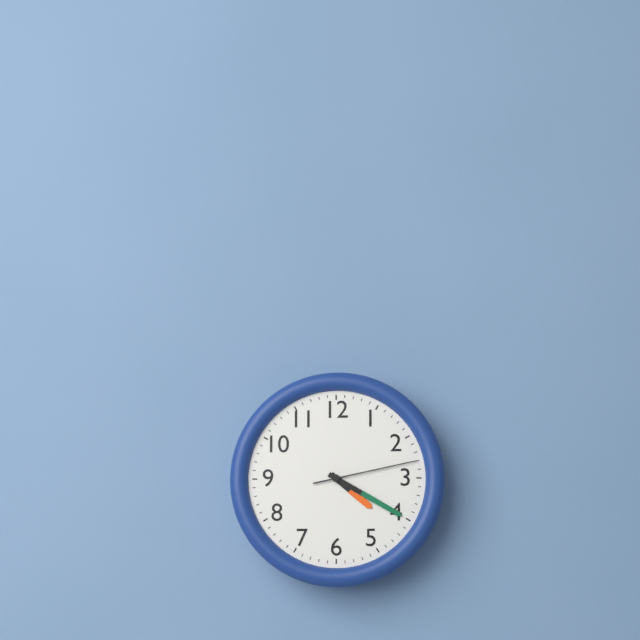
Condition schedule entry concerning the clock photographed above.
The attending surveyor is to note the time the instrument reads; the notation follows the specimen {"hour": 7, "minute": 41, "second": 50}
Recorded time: {"hour": 4, "minute": 20, "second": 13}
